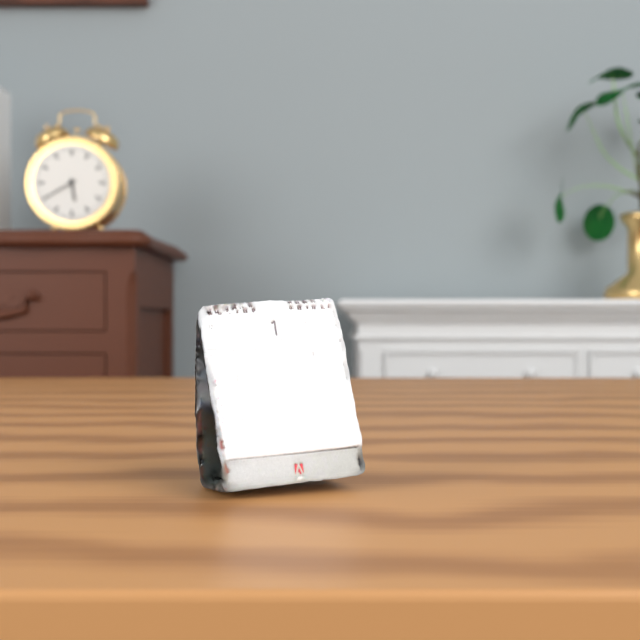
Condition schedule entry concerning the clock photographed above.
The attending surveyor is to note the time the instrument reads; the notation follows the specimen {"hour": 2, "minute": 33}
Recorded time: {"hour": 5, "minute": 40}
